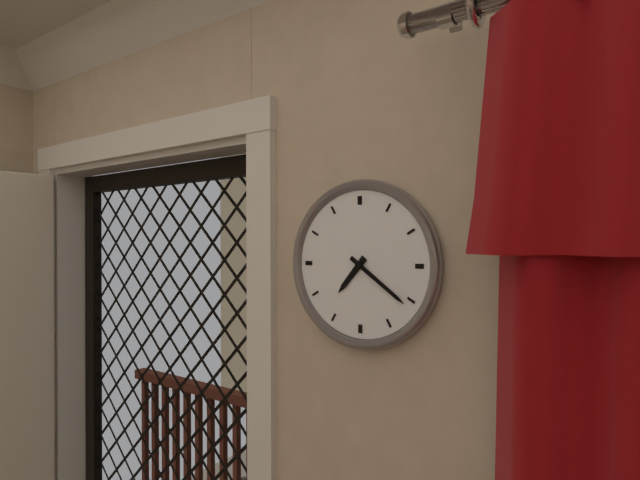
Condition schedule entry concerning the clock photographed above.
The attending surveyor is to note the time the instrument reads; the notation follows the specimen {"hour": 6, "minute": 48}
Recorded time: {"hour": 7, "minute": 21}
